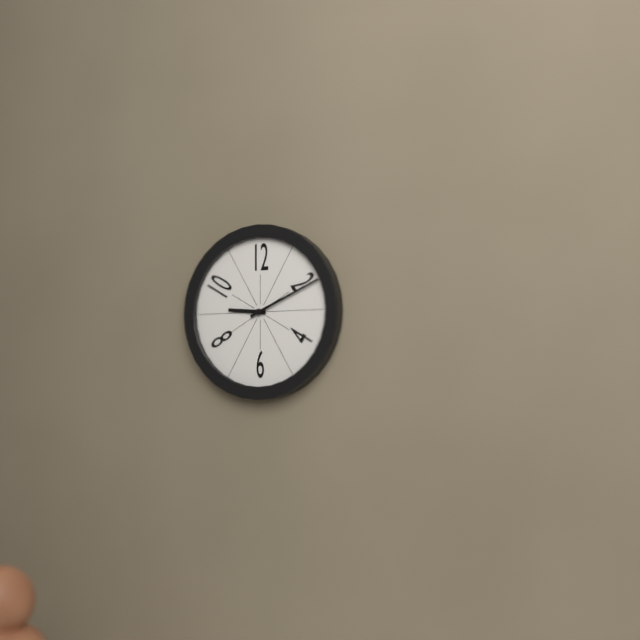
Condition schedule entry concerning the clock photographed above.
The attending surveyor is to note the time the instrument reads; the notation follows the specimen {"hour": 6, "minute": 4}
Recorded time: {"hour": 9, "minute": 11}
